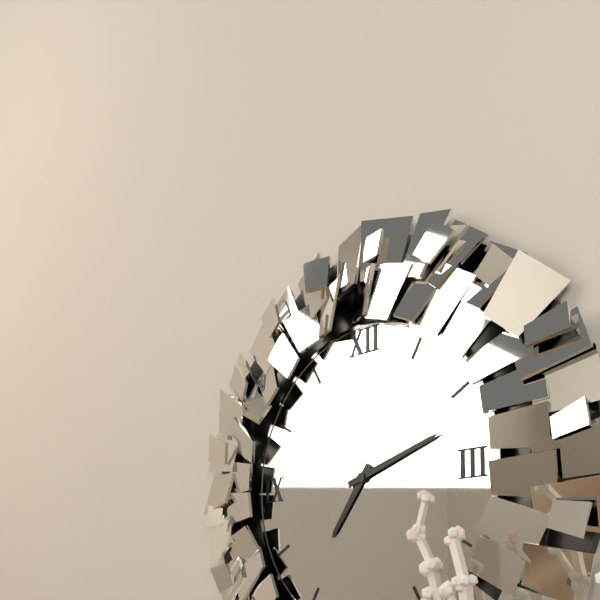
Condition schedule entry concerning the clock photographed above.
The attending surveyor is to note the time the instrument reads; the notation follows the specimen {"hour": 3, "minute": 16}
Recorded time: {"hour": 7, "minute": 12}
